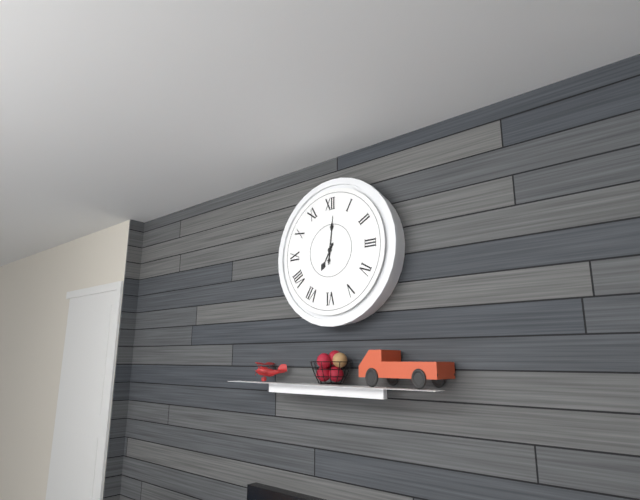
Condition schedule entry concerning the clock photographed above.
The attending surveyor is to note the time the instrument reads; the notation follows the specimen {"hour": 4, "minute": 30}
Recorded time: {"hour": 7, "minute": 1}
